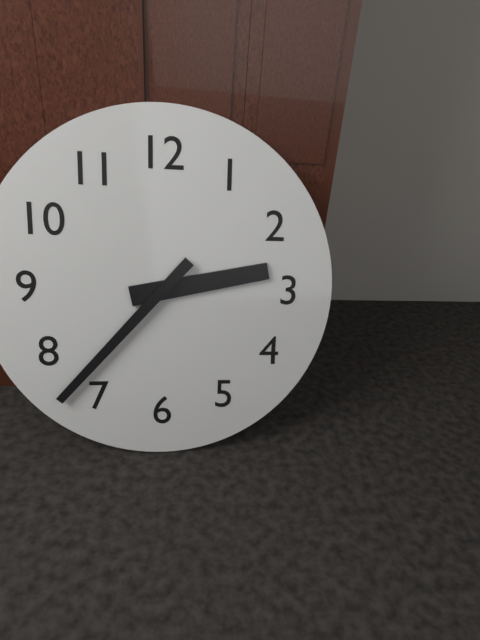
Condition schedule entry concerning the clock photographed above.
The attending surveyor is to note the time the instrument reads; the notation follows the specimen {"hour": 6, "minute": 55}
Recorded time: {"hour": 2, "minute": 37}
